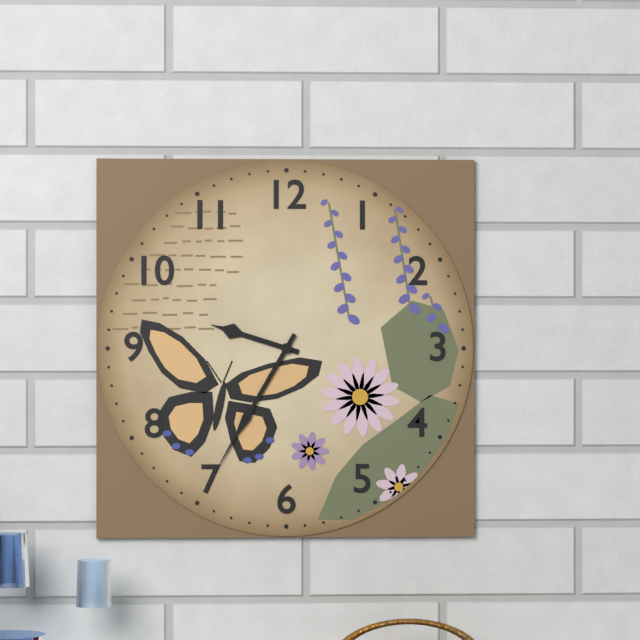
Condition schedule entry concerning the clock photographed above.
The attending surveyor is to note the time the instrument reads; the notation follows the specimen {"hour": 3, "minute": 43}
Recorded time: {"hour": 9, "minute": 35}
